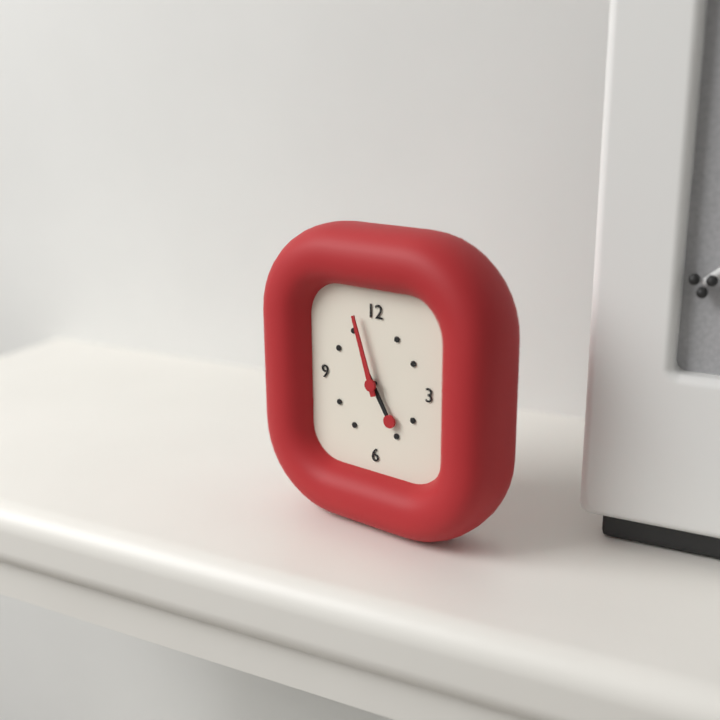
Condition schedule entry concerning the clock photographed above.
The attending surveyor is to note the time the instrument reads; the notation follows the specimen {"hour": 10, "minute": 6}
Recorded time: {"hour": 4, "minute": 57}
